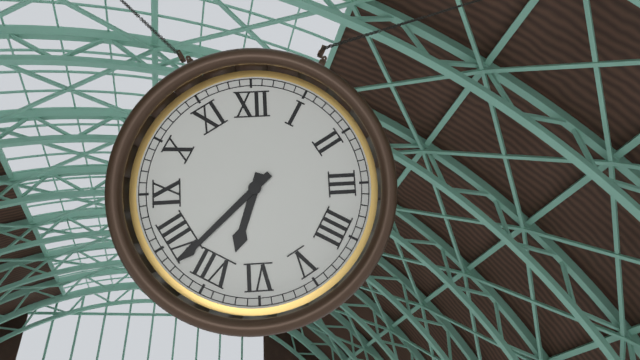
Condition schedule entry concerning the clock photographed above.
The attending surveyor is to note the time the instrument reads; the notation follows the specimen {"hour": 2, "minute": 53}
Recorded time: {"hour": 6, "minute": 38}
